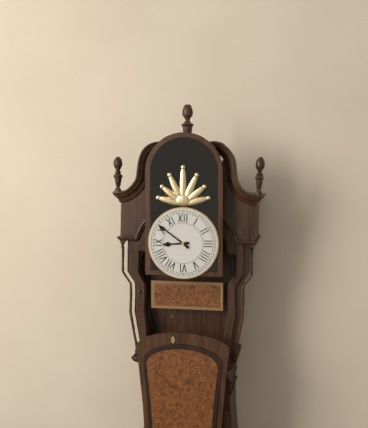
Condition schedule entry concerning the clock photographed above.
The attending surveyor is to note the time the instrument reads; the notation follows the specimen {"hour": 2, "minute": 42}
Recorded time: {"hour": 8, "minute": 51}
